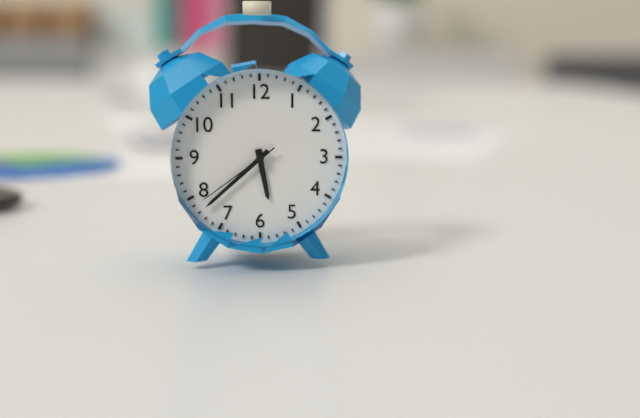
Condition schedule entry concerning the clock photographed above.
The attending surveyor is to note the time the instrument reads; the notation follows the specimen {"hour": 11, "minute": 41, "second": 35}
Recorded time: {"hour": 5, "minute": 38, "second": 39}
